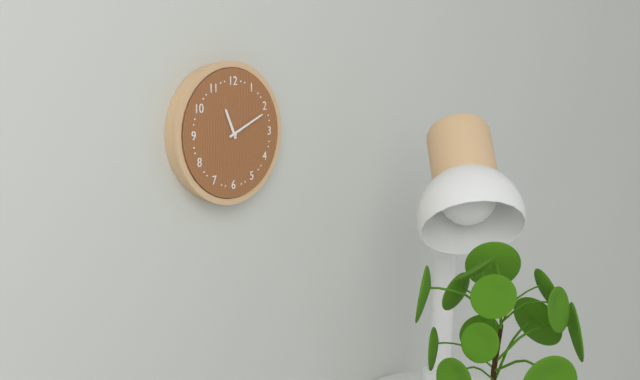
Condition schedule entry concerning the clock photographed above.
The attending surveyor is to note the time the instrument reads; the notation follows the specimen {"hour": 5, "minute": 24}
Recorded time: {"hour": 11, "minute": 11}
